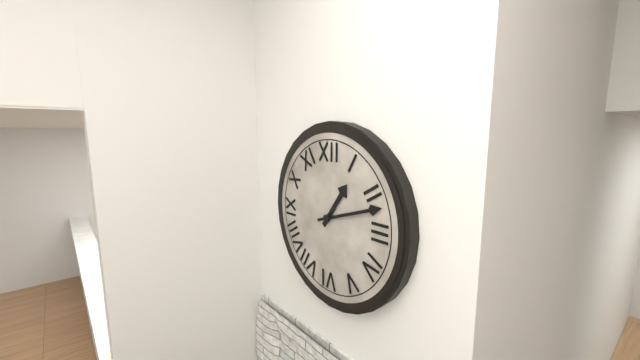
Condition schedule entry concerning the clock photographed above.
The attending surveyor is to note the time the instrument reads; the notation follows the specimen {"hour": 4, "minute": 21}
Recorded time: {"hour": 1, "minute": 12}
